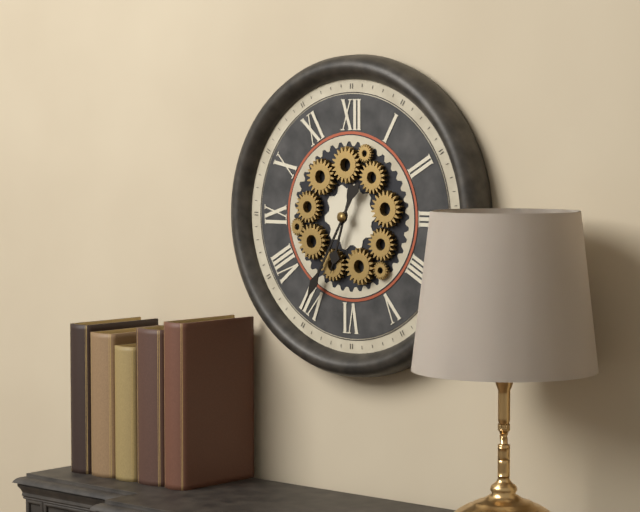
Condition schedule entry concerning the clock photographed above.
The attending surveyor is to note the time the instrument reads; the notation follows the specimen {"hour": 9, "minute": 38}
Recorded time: {"hour": 6, "minute": 35}
